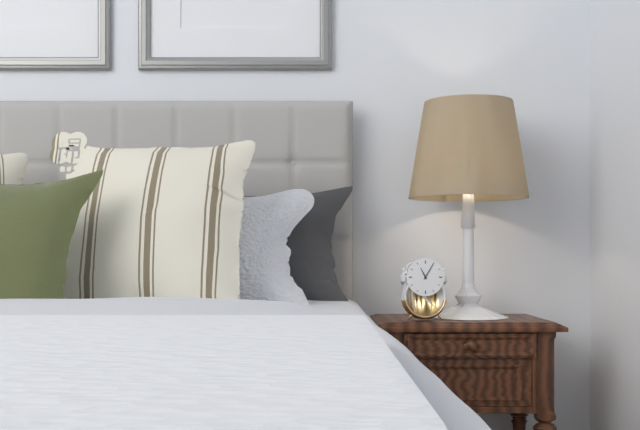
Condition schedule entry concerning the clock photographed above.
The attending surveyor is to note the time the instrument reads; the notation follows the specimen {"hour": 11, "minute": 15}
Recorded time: {"hour": 11, "minute": 5}
